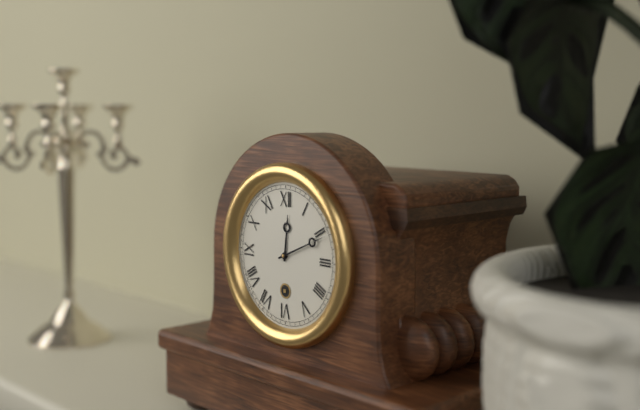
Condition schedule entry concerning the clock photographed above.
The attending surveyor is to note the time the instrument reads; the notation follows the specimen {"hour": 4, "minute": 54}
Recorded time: {"hour": 12, "minute": 11}
